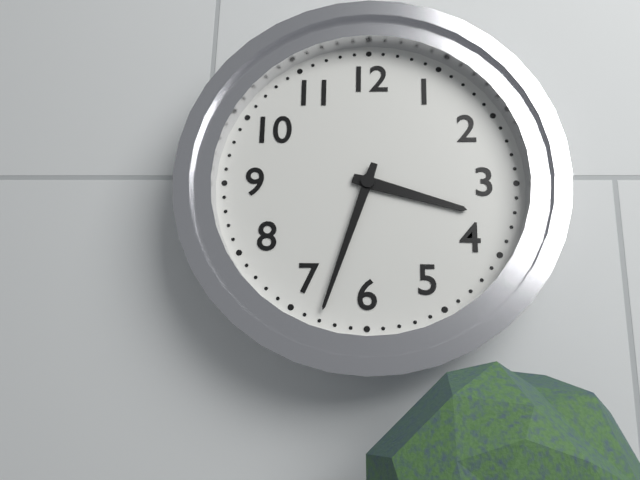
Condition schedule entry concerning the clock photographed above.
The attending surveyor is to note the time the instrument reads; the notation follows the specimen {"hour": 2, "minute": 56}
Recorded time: {"hour": 3, "minute": 33}
